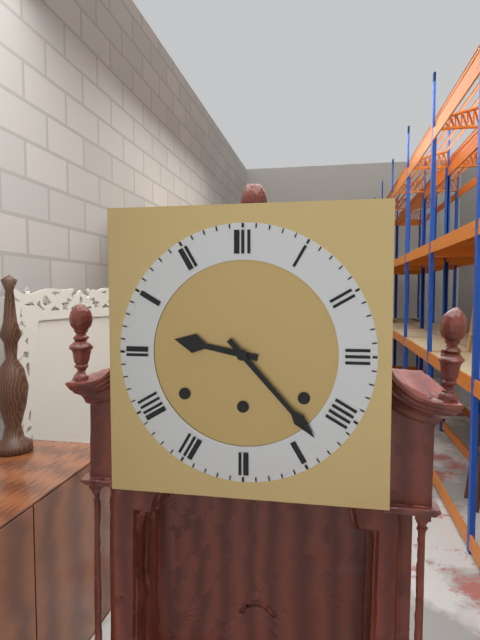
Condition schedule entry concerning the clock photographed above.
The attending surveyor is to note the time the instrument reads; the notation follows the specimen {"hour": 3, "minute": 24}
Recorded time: {"hour": 9, "minute": 23}
